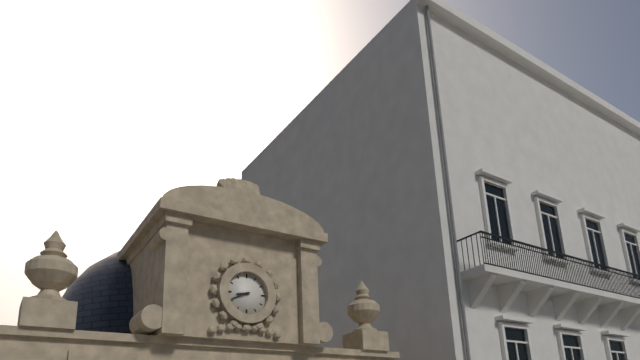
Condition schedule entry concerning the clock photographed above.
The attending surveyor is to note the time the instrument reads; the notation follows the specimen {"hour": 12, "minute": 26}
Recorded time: {"hour": 8, "minute": 41}
